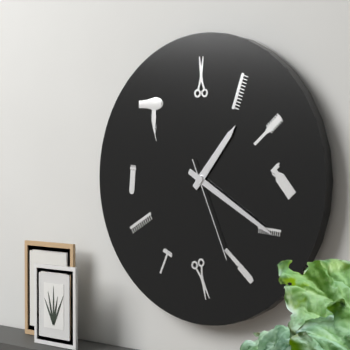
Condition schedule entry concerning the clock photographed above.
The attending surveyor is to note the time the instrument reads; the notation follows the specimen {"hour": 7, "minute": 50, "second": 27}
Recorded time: {"hour": 1, "minute": 20, "second": 26}
